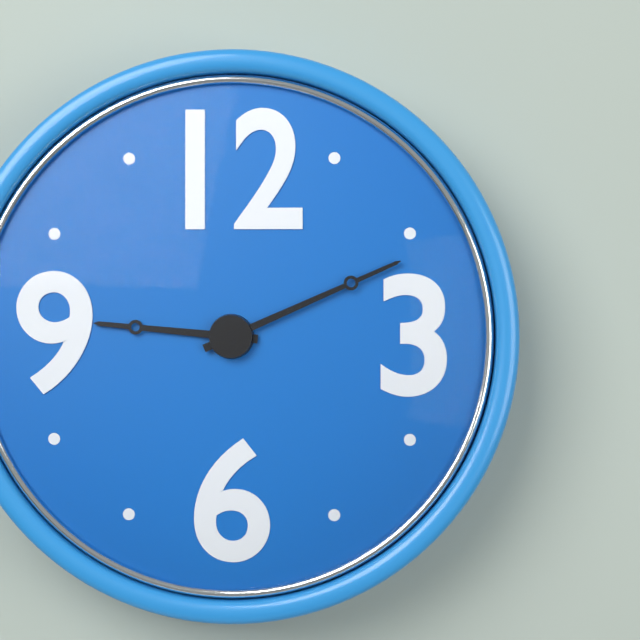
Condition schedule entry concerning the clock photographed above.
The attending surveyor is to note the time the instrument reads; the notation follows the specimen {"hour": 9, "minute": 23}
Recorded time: {"hour": 9, "minute": 11}
